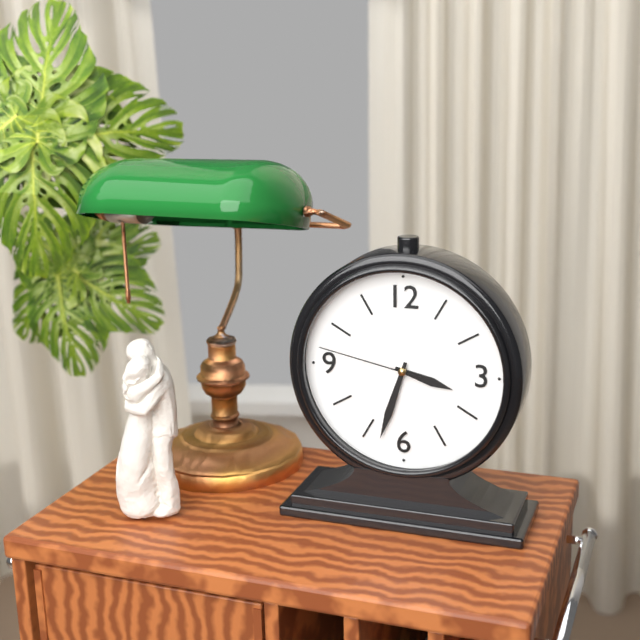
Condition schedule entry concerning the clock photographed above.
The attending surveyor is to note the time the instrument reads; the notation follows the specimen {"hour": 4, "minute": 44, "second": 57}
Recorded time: {"hour": 3, "minute": 33, "second": 47}
